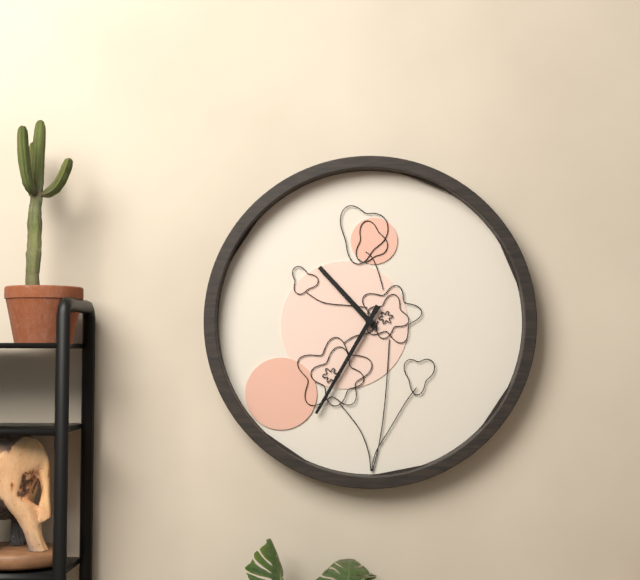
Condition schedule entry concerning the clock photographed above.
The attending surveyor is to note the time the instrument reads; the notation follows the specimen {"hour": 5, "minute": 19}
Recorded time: {"hour": 10, "minute": 35}
